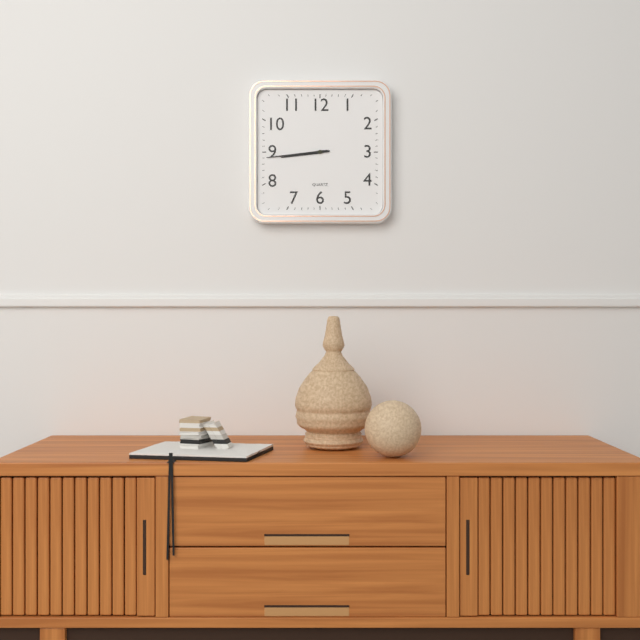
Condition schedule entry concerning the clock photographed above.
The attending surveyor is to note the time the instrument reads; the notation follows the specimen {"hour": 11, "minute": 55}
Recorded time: {"hour": 8, "minute": 44}
